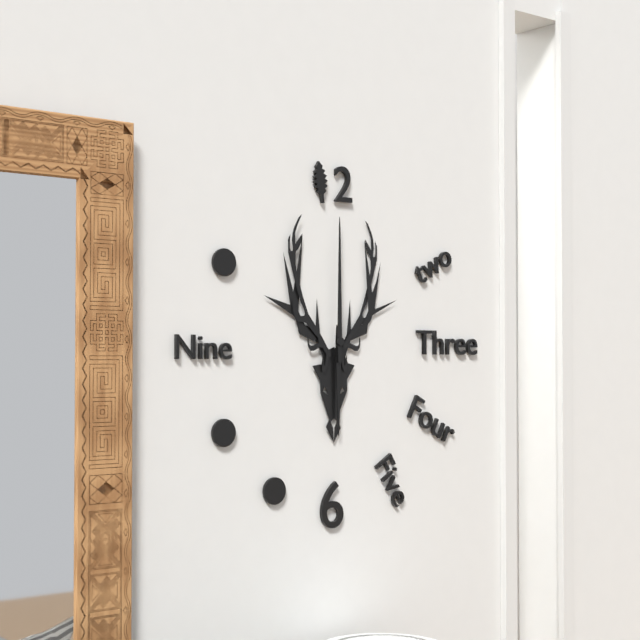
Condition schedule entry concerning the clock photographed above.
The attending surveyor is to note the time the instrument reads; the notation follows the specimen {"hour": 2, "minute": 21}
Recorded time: {"hour": 6, "minute": 0}
